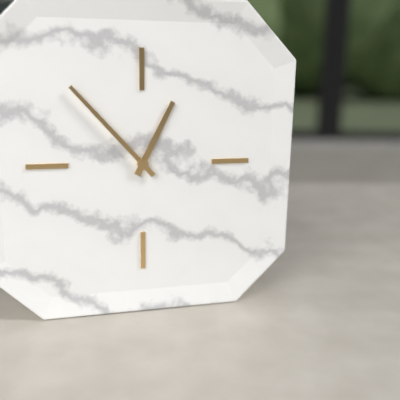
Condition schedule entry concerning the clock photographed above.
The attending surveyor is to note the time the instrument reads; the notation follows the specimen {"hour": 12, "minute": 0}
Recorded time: {"hour": 12, "minute": 53}
